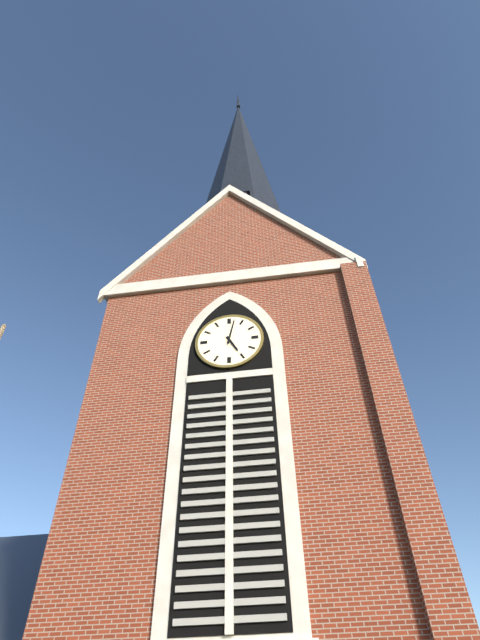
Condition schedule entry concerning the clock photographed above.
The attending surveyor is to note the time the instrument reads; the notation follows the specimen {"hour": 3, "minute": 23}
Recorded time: {"hour": 5, "minute": 2}
